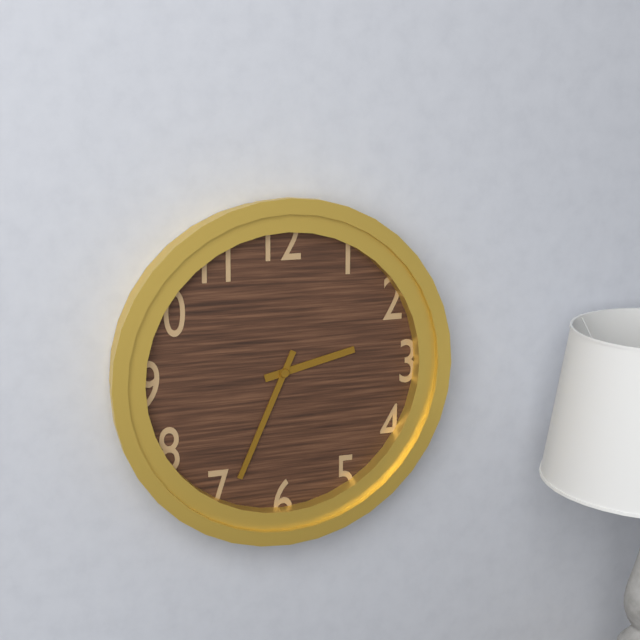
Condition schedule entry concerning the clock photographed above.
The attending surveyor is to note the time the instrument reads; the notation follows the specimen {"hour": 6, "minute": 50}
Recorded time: {"hour": 2, "minute": 34}
